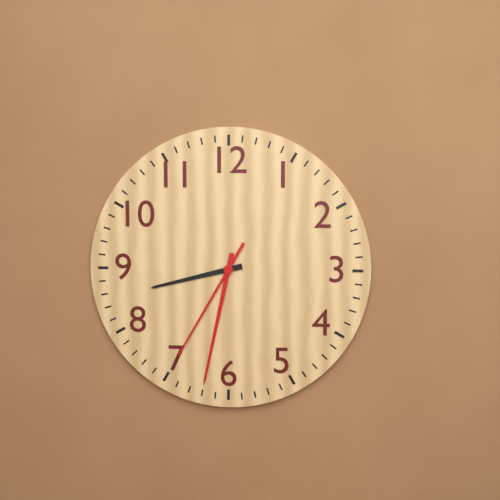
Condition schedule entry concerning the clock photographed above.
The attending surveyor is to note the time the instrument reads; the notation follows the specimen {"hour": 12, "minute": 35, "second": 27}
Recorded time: {"hour": 8, "minute": 32, "second": 35}
